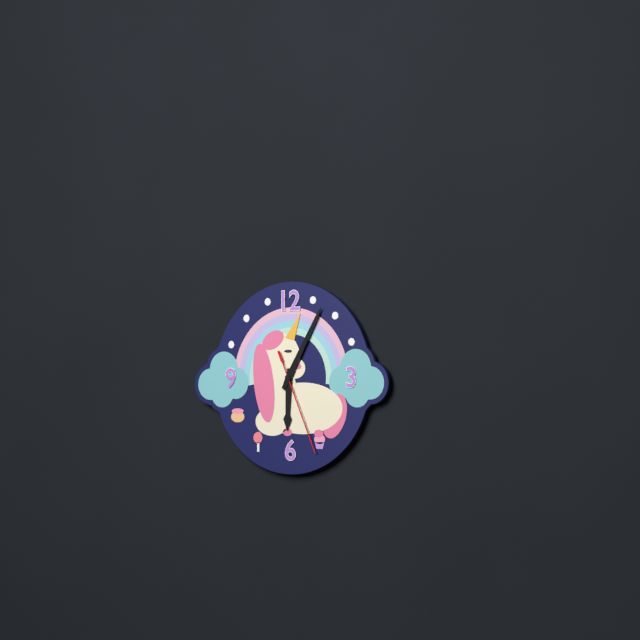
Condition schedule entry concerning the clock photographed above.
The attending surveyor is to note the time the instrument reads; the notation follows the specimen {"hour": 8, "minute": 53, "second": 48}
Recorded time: {"hour": 6, "minute": 5, "second": 26}
